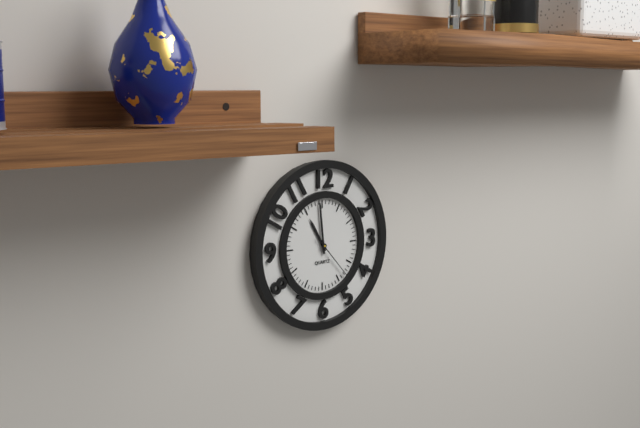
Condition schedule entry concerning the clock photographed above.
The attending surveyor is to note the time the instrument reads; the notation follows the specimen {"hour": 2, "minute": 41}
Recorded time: {"hour": 10, "minute": 59}
